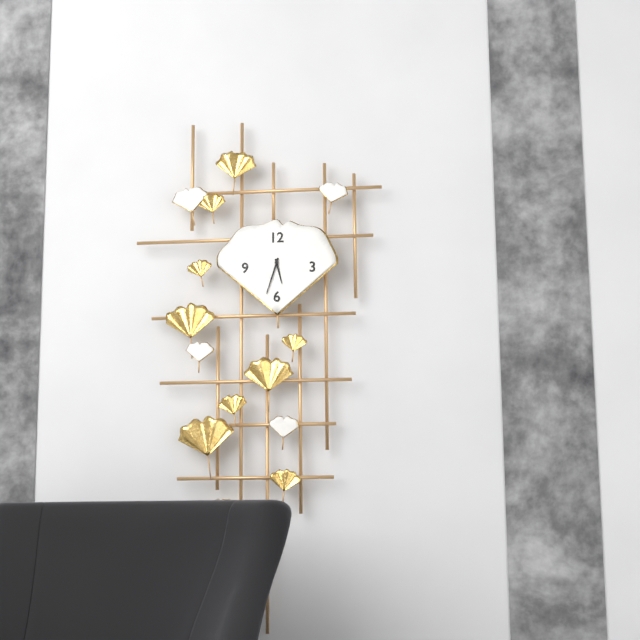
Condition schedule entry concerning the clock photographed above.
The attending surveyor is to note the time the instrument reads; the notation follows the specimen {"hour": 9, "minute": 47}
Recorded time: {"hour": 5, "minute": 33}
